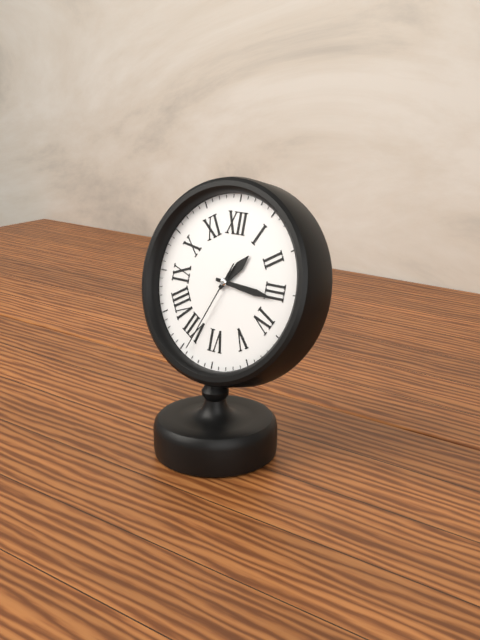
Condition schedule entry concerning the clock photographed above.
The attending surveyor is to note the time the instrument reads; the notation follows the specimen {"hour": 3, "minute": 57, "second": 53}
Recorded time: {"hour": 1, "minute": 16, "second": 34}
